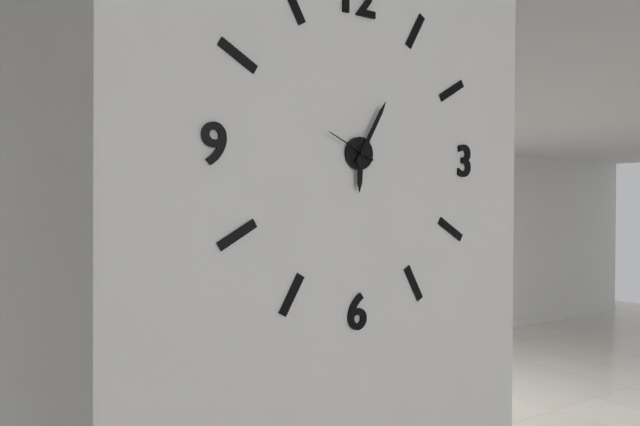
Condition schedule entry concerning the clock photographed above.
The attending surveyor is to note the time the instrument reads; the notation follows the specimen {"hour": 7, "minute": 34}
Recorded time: {"hour": 6, "minute": 5}
